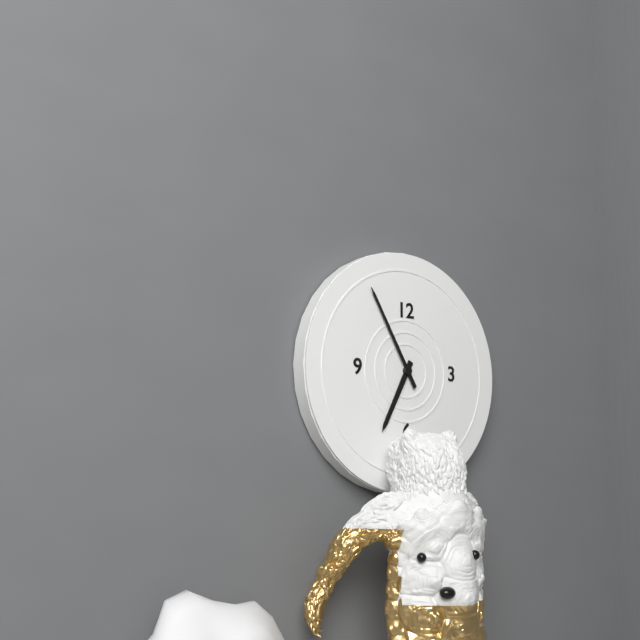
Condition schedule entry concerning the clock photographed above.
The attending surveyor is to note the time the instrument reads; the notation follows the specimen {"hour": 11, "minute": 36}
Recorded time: {"hour": 6, "minute": 55}
